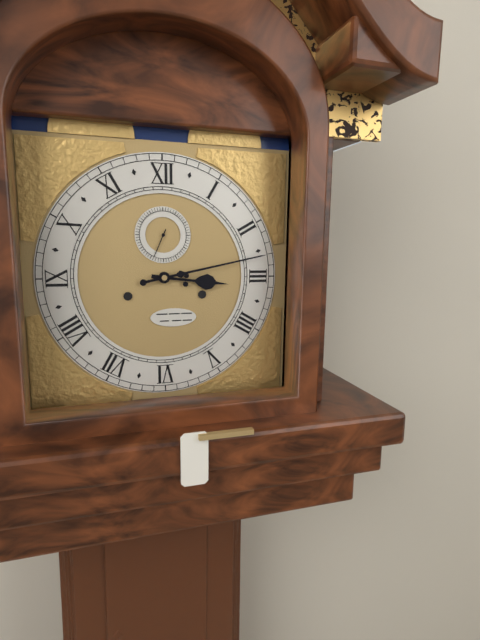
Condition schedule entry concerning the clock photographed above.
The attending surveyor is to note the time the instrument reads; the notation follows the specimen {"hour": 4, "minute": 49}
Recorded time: {"hour": 3, "minute": 13}
